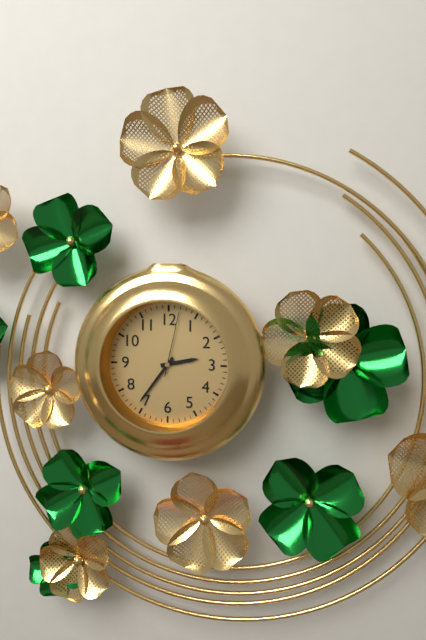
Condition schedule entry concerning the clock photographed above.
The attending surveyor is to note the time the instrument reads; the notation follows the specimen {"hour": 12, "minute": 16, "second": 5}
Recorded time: {"hour": 2, "minute": 36, "second": 2}
